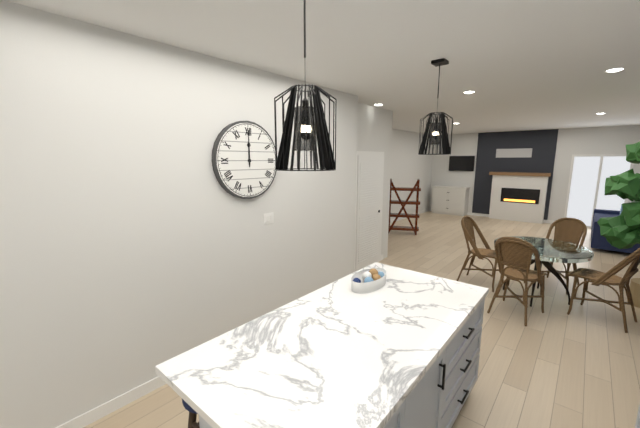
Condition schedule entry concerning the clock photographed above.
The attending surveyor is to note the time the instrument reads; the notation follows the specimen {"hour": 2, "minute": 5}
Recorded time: {"hour": 12, "minute": 0}
